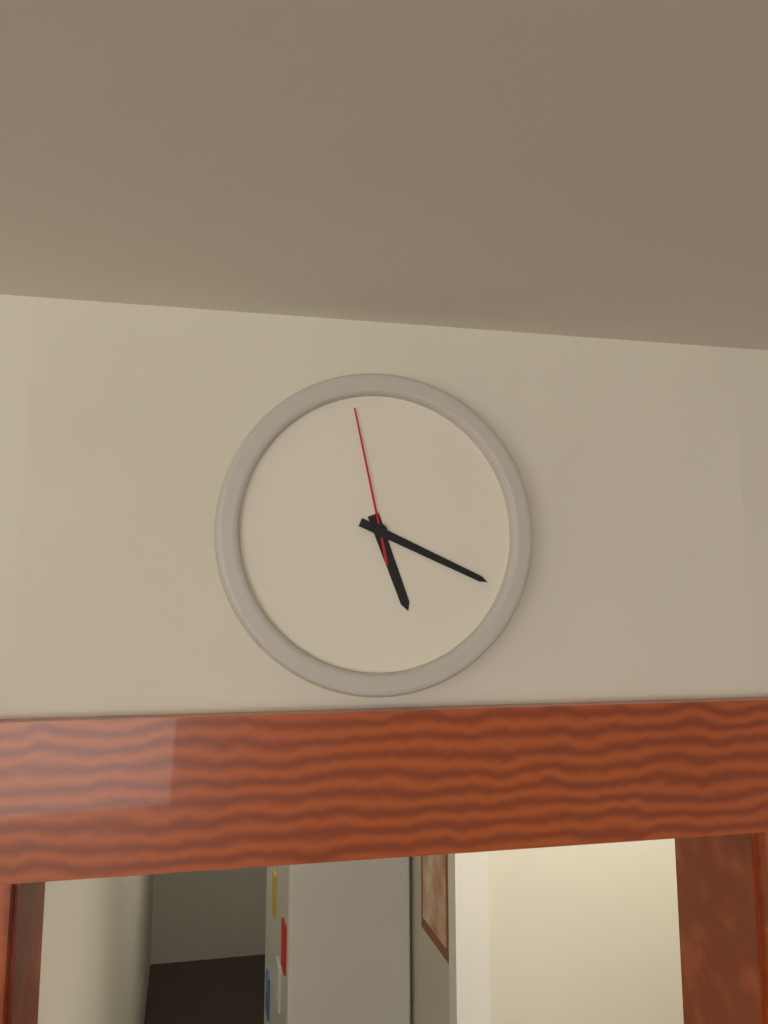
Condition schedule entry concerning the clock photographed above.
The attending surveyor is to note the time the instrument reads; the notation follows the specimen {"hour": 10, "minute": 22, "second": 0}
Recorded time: {"hour": 5, "minute": 19, "second": 58}
